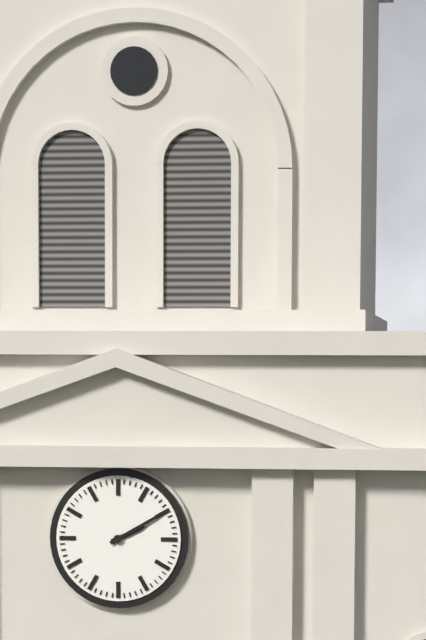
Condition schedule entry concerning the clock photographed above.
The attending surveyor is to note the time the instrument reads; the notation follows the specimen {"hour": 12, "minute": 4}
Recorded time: {"hour": 2, "minute": 10}
